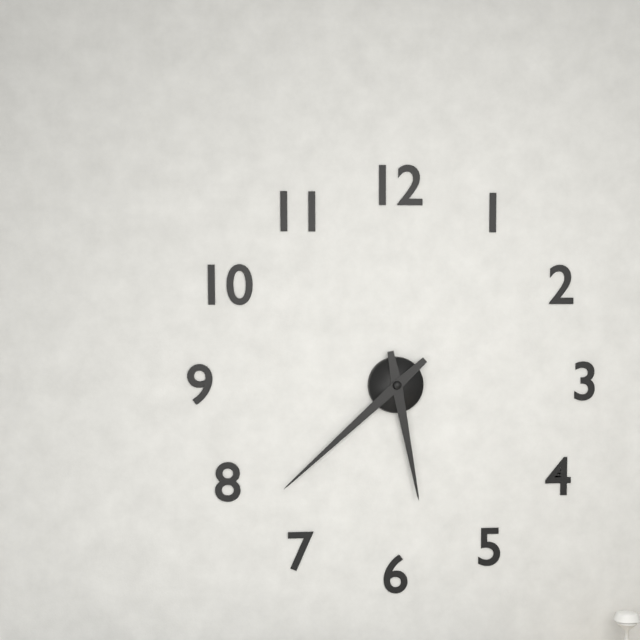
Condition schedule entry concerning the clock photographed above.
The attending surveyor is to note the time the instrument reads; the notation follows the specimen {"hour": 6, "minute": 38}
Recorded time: {"hour": 5, "minute": 38}
